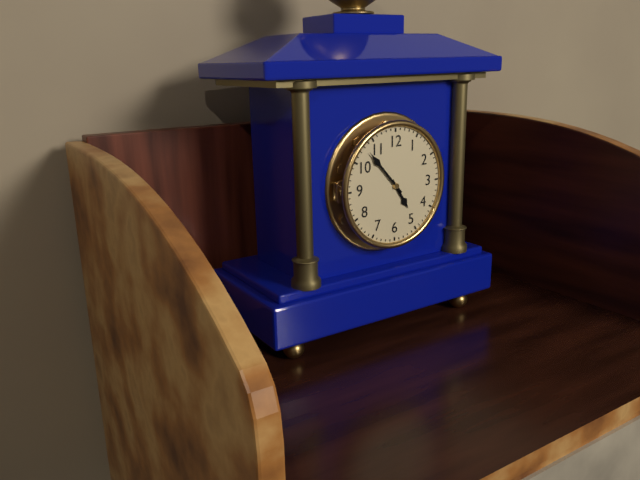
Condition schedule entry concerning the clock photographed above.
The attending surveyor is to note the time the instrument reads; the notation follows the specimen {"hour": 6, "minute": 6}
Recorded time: {"hour": 4, "minute": 53}
